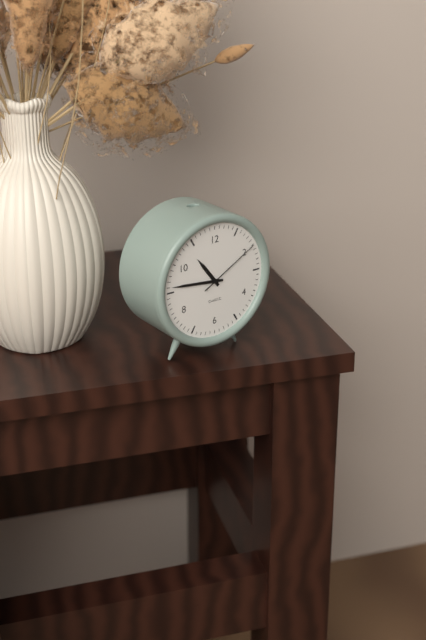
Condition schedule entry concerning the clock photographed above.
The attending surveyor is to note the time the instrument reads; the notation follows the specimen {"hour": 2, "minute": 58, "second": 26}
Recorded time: {"hour": 10, "minute": 46, "second": 10}
